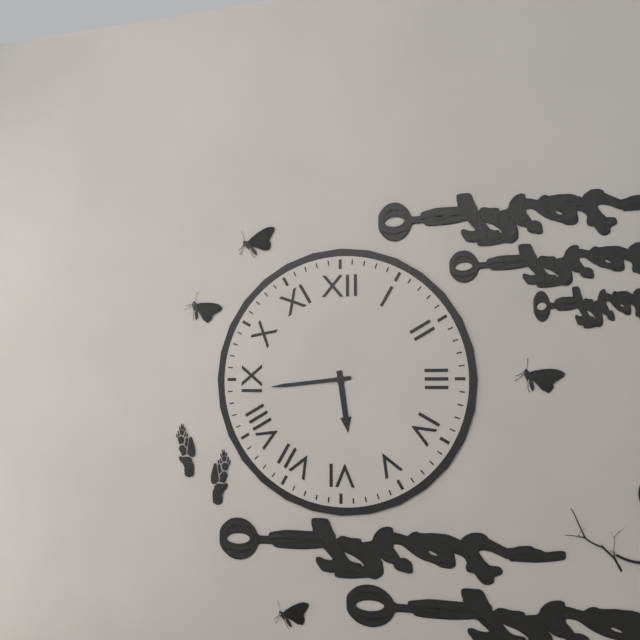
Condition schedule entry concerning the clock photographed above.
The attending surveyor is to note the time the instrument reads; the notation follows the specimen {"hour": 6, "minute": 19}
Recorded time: {"hour": 5, "minute": 44}
